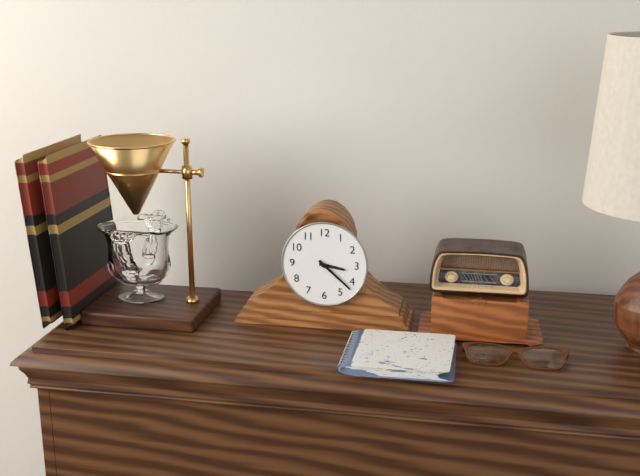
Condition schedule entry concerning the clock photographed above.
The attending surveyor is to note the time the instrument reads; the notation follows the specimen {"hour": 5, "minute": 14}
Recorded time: {"hour": 3, "minute": 22}
